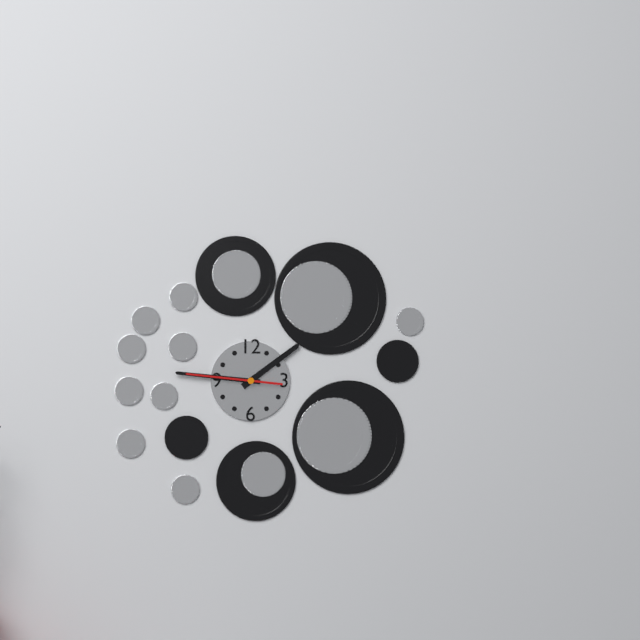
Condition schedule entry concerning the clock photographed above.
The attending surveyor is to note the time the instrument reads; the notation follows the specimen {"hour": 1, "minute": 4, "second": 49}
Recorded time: {"hour": 1, "minute": 46, "second": 46}
